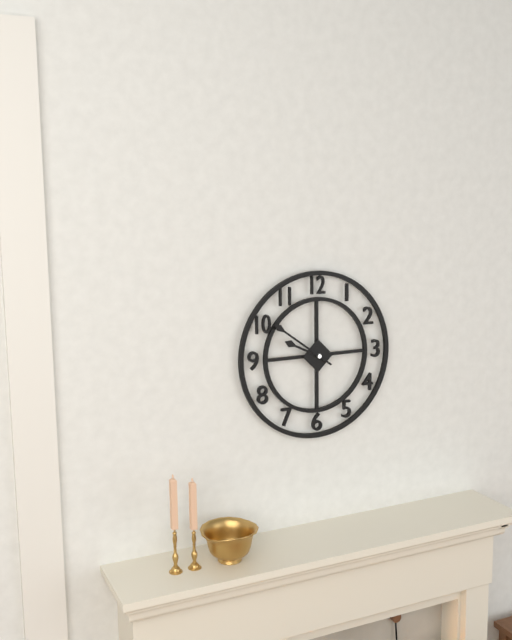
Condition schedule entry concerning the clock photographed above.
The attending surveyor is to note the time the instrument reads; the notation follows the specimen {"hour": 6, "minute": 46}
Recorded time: {"hour": 9, "minute": 51}
